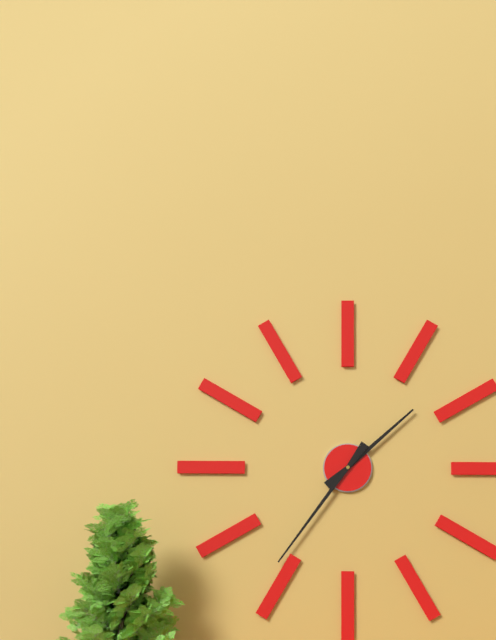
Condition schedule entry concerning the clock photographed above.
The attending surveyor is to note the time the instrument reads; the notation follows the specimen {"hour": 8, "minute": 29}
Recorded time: {"hour": 1, "minute": 36}
